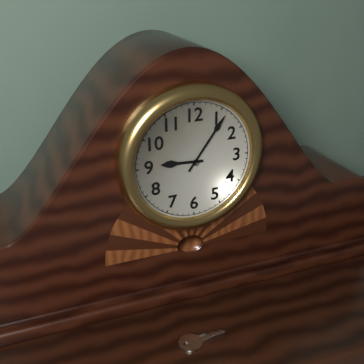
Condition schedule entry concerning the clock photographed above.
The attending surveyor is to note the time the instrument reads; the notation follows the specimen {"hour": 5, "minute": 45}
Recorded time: {"hour": 9, "minute": 6}
